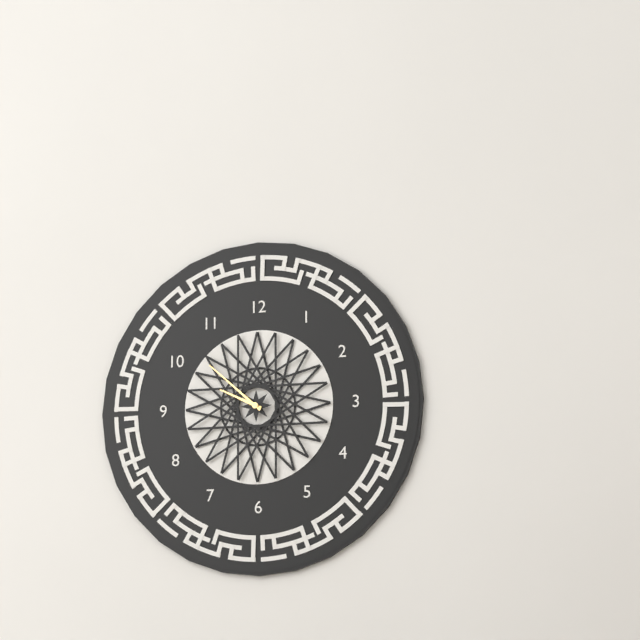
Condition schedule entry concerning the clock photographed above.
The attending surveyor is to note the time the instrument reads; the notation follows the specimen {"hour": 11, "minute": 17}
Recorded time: {"hour": 9, "minute": 52}
